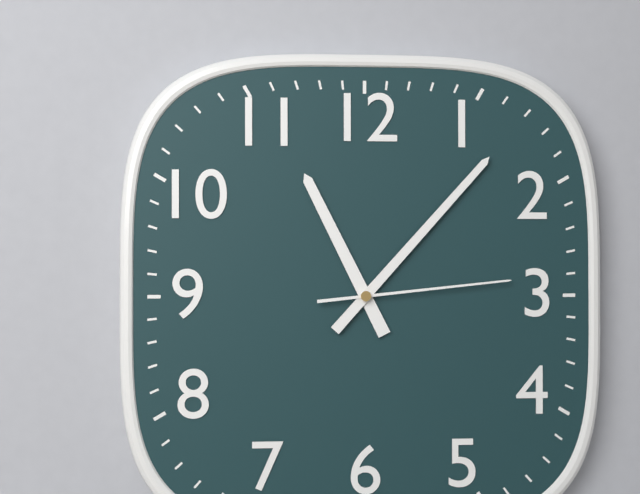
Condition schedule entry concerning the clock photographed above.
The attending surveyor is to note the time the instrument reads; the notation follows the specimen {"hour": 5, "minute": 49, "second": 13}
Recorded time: {"hour": 11, "minute": 7, "second": 14}
